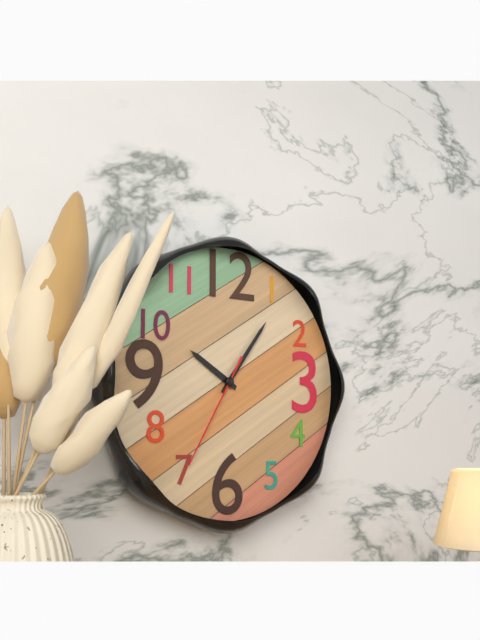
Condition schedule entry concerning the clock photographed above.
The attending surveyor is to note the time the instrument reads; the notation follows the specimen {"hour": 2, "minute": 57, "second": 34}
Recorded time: {"hour": 10, "minute": 6, "second": 35}
